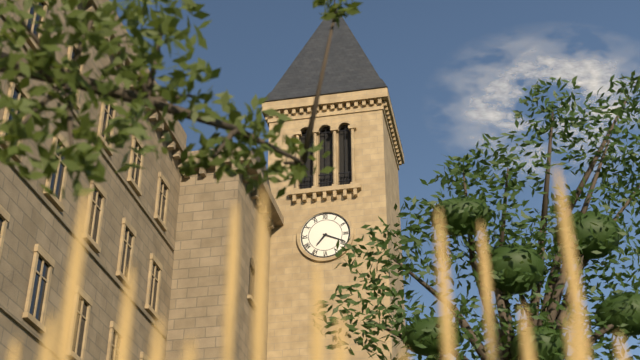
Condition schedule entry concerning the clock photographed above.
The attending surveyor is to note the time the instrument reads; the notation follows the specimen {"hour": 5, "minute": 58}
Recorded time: {"hour": 7, "minute": 19}
